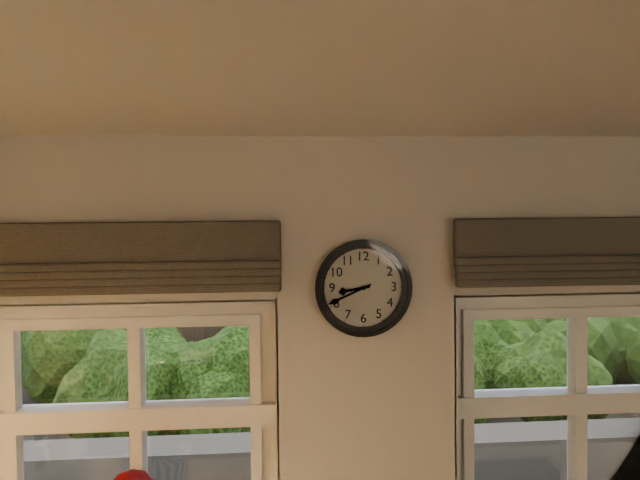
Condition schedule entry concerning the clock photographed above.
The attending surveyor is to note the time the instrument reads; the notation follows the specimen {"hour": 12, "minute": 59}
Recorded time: {"hour": 8, "minute": 41}
